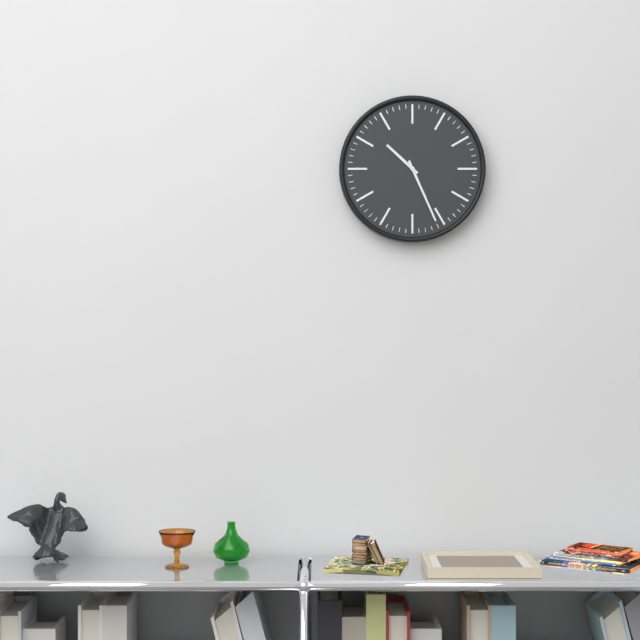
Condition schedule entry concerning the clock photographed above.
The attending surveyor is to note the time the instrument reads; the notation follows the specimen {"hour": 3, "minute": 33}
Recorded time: {"hour": 10, "minute": 26}
